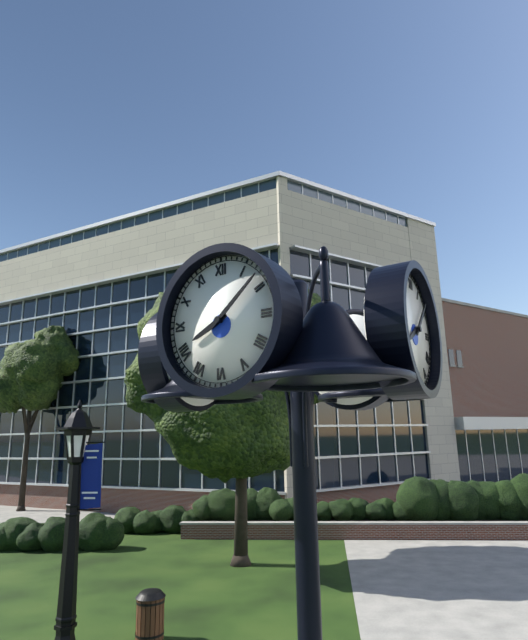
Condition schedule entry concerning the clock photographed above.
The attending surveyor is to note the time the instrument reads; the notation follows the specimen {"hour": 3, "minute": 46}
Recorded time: {"hour": 8, "minute": 8}
